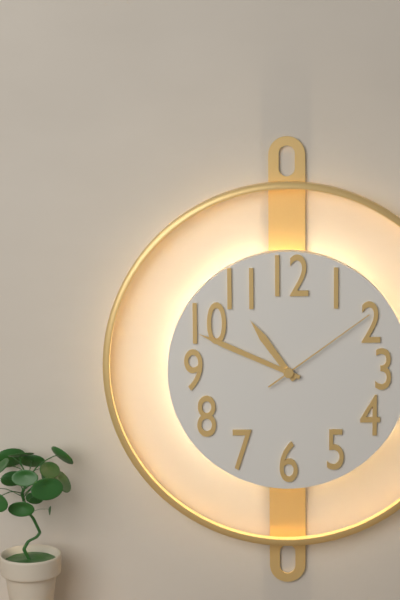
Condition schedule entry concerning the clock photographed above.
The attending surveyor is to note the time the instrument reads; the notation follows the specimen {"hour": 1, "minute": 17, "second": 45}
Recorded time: {"hour": 10, "minute": 49, "second": 9}
